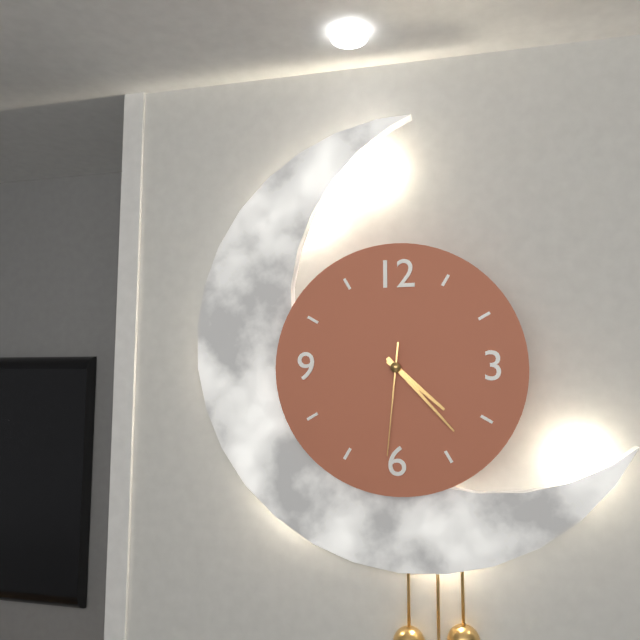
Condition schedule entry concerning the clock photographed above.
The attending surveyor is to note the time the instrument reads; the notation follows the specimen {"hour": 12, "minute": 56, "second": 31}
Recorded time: {"hour": 4, "minute": 23, "second": 31}
